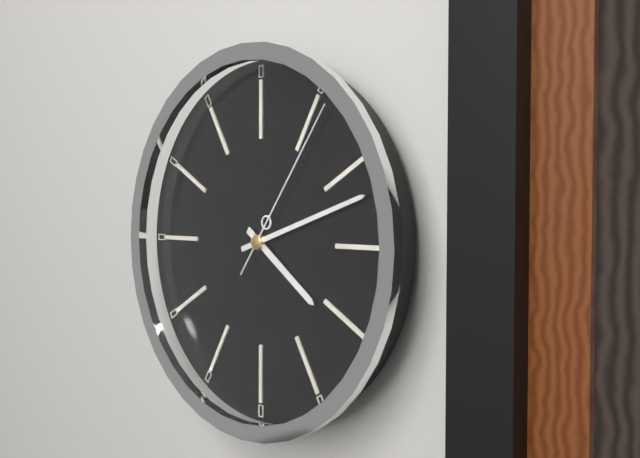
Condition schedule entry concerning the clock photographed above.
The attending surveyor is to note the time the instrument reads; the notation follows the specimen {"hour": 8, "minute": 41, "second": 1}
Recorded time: {"hour": 4, "minute": 12, "second": 6}
